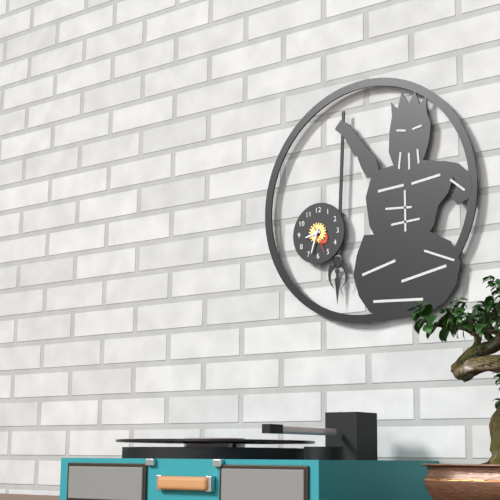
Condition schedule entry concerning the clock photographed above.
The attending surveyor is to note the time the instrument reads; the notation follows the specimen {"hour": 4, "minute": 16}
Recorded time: {"hour": 8, "minute": 33}
